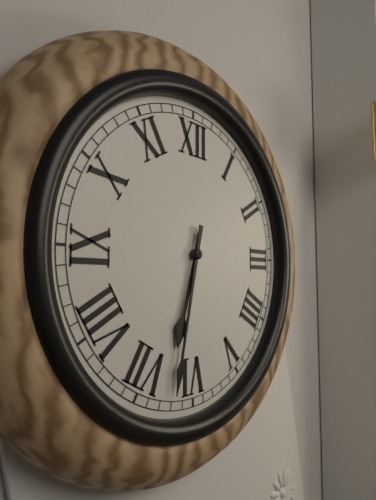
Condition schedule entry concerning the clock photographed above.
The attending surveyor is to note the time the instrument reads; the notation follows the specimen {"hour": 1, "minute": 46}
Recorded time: {"hour": 6, "minute": 32}
